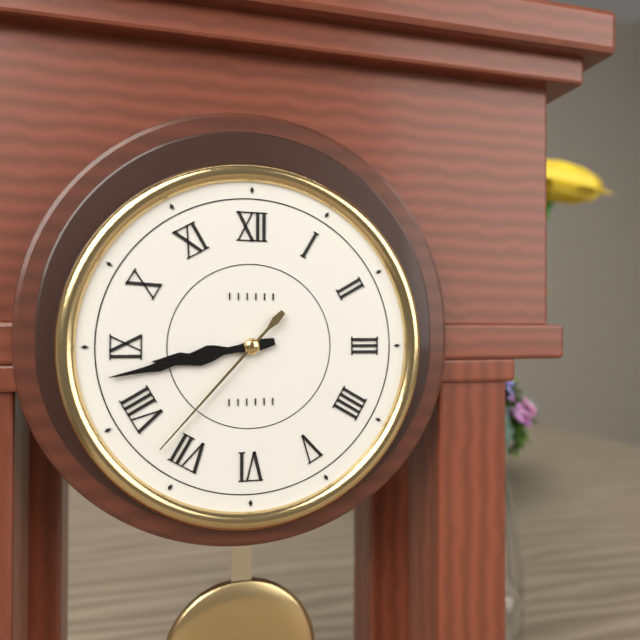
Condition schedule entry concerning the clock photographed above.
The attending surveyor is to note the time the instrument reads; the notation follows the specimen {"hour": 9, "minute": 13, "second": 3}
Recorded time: {"hour": 8, "minute": 43, "second": 37}
